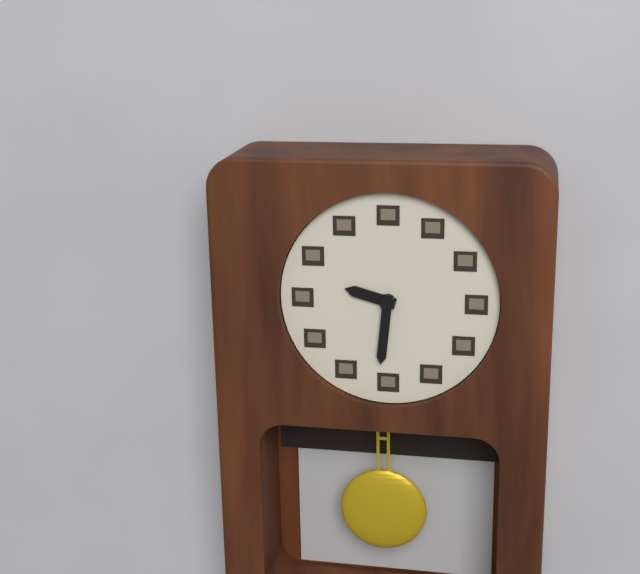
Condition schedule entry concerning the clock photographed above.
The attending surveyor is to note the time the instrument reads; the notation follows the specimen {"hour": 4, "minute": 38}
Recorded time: {"hour": 9, "minute": 31}
